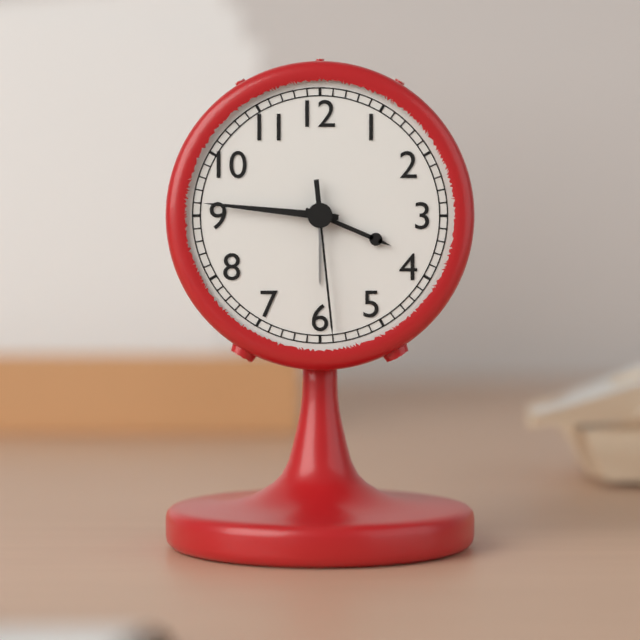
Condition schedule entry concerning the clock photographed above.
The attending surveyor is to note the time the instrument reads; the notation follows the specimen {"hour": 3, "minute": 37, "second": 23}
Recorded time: {"hour": 3, "minute": 46, "second": 29}
